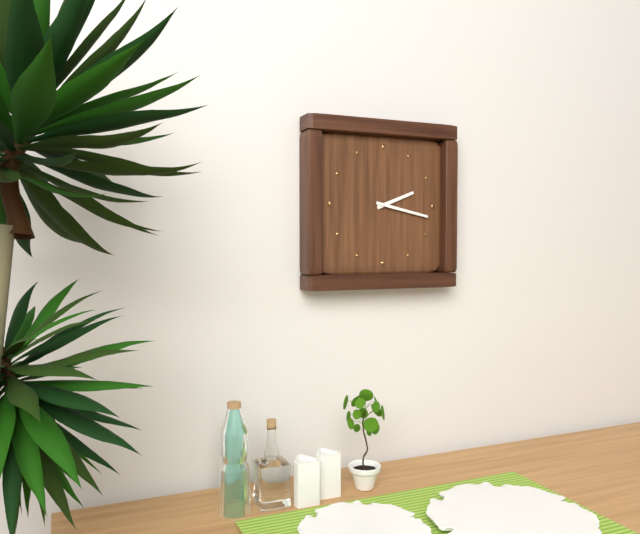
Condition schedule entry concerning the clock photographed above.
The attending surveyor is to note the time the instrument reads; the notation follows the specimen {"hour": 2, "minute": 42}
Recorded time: {"hour": 2, "minute": 17}
